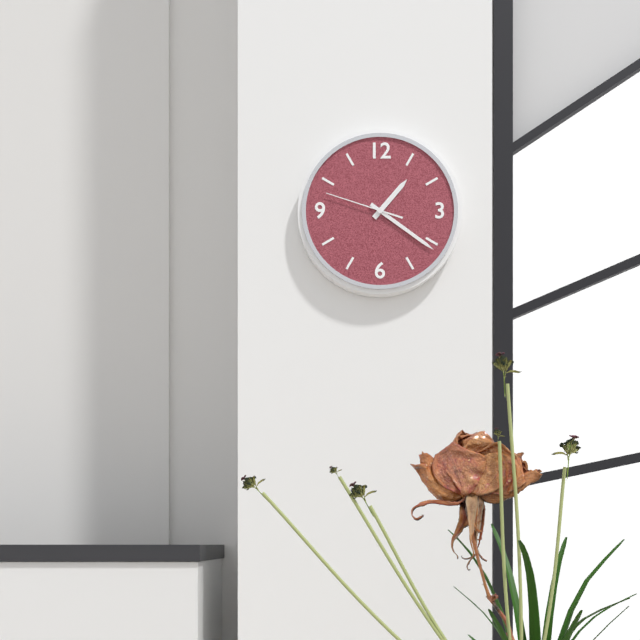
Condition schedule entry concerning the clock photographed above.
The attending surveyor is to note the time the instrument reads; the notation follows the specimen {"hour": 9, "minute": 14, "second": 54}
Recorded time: {"hour": 1, "minute": 21, "second": 48}
